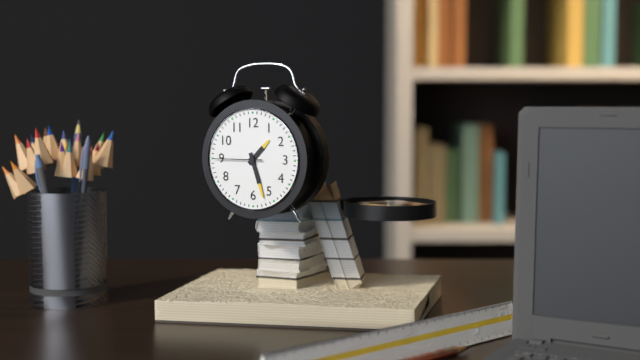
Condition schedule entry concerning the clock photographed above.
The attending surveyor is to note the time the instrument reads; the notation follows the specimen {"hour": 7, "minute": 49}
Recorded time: {"hour": 1, "minute": 27}
